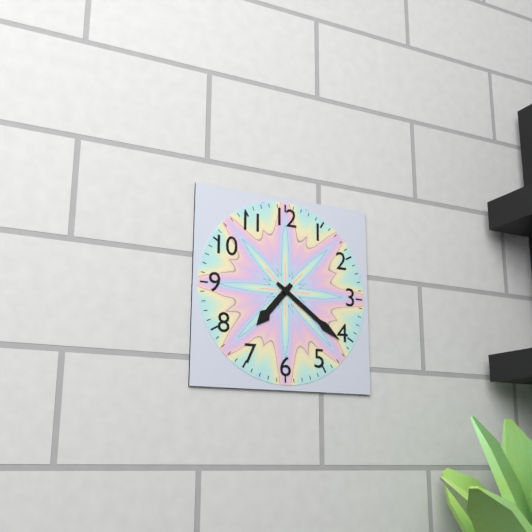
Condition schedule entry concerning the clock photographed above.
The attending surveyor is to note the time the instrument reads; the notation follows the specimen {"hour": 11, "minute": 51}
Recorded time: {"hour": 7, "minute": 21}
